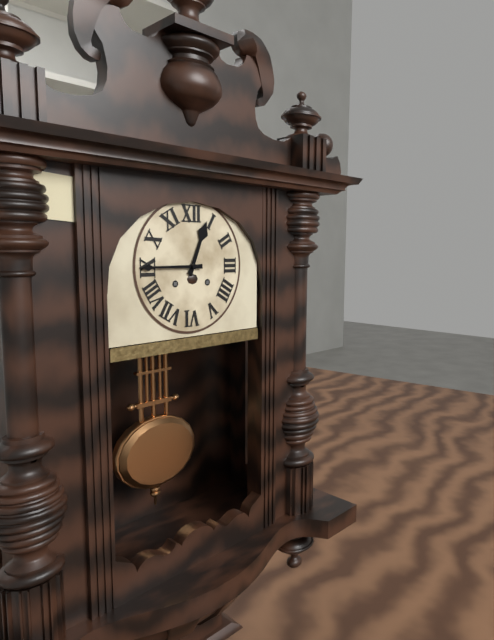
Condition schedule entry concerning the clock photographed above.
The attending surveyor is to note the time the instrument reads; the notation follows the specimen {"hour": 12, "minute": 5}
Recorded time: {"hour": 12, "minute": 45}
